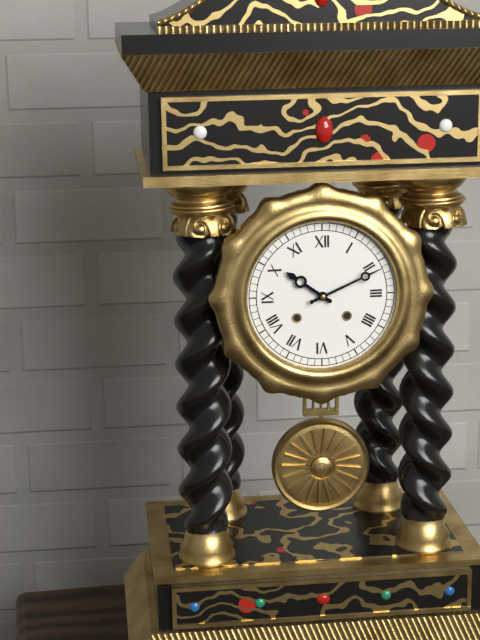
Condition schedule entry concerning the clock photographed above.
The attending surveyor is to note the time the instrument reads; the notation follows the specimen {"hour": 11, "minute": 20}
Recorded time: {"hour": 10, "minute": 11}
